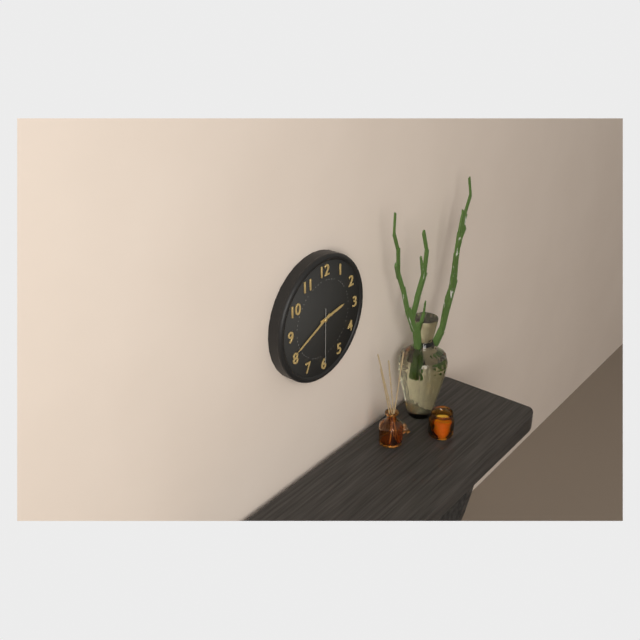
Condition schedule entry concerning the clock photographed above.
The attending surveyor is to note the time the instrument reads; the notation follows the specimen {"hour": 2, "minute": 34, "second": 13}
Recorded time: {"hour": 2, "minute": 41, "second": 30}
